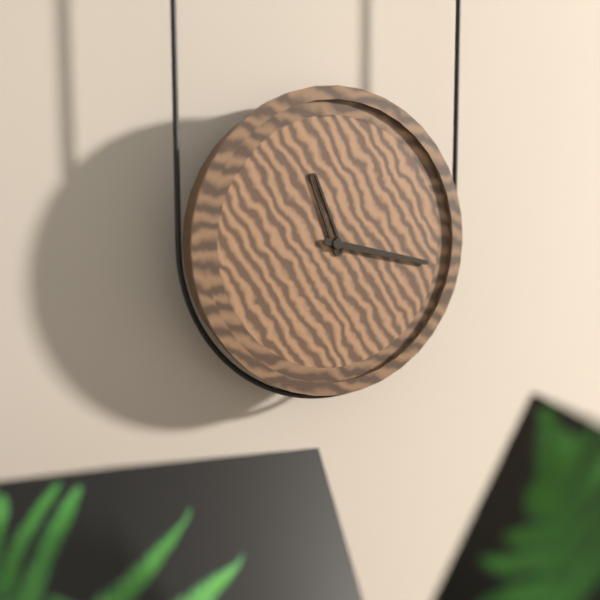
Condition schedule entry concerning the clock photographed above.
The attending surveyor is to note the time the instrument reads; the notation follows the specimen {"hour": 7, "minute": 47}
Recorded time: {"hour": 11, "minute": 17}
